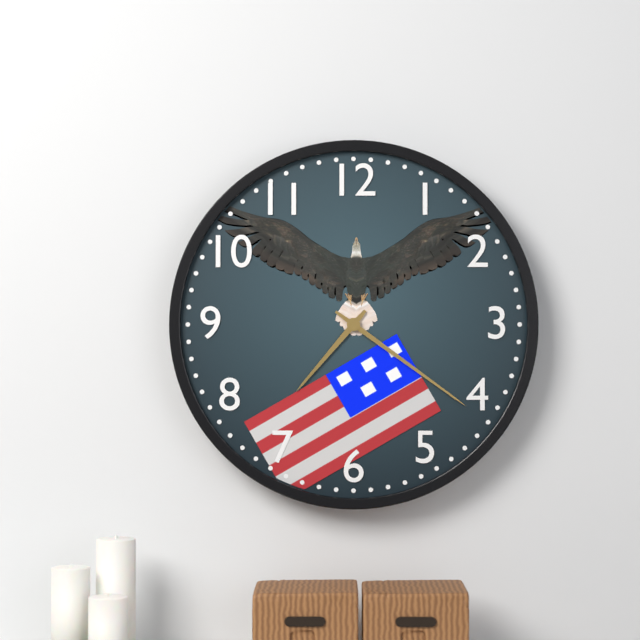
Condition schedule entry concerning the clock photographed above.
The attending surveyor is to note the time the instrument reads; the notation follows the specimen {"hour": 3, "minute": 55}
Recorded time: {"hour": 7, "minute": 21}
